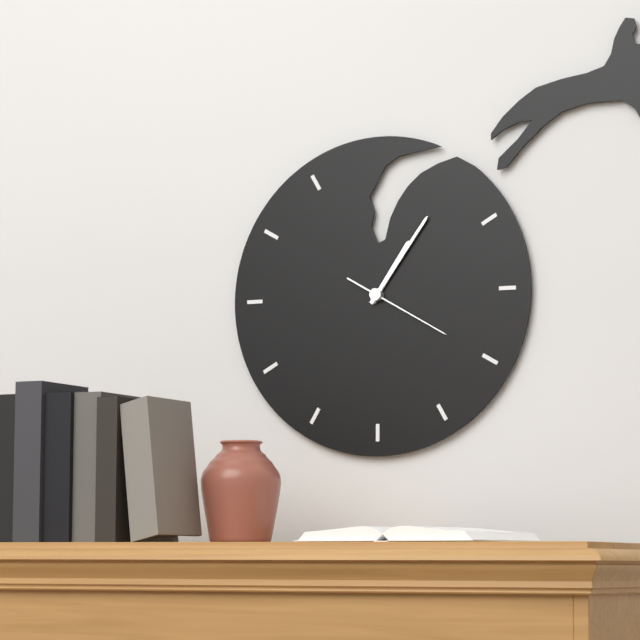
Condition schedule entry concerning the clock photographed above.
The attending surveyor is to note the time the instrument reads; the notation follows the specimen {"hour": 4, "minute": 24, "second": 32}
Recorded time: {"hour": 1, "minute": 6, "second": 20}
